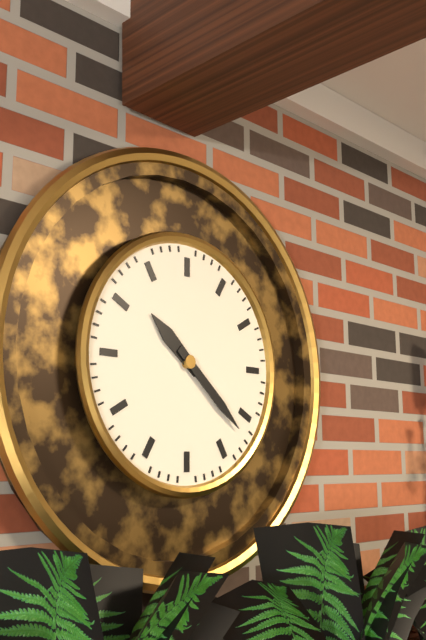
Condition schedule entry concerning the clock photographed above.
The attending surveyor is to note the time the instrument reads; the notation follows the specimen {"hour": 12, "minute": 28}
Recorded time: {"hour": 10, "minute": 22}
